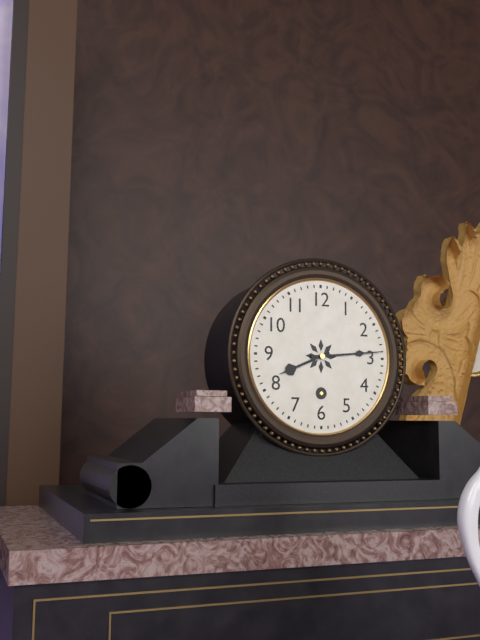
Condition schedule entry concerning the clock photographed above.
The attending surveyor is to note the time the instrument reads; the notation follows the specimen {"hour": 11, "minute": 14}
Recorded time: {"hour": 8, "minute": 14}
